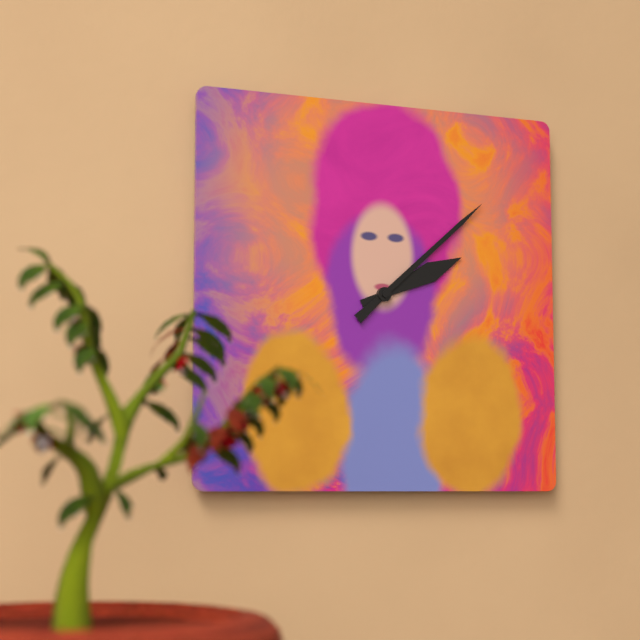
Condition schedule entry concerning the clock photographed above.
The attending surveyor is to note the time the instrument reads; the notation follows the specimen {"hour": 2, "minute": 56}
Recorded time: {"hour": 2, "minute": 8}
